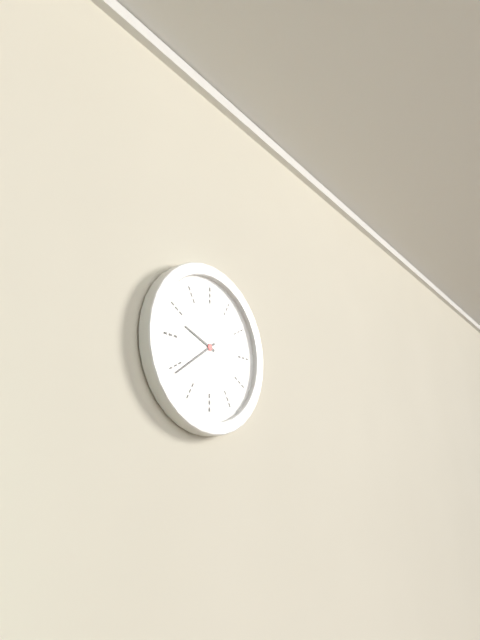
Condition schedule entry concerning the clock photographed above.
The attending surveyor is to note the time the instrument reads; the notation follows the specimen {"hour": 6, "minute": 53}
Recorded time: {"hour": 9, "minute": 39}
